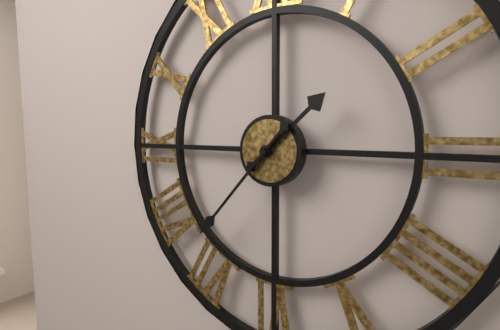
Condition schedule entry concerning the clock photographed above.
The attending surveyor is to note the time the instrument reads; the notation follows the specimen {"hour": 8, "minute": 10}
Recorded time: {"hour": 1, "minute": 37}
